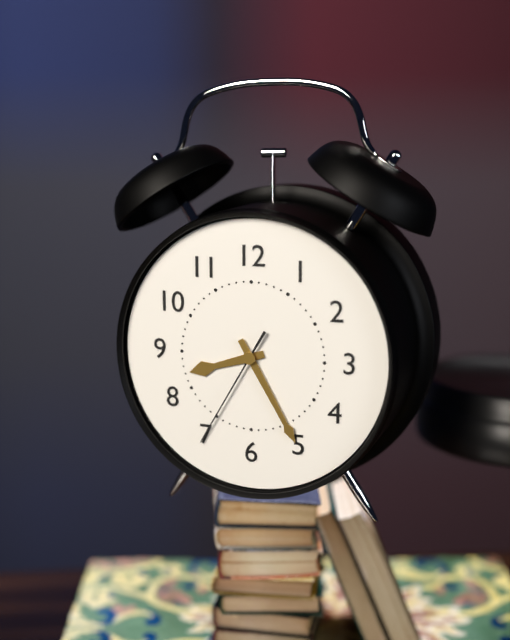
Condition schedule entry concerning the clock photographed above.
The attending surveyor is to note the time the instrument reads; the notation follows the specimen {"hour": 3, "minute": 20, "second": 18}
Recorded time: {"hour": 8, "minute": 25, "second": 35}
